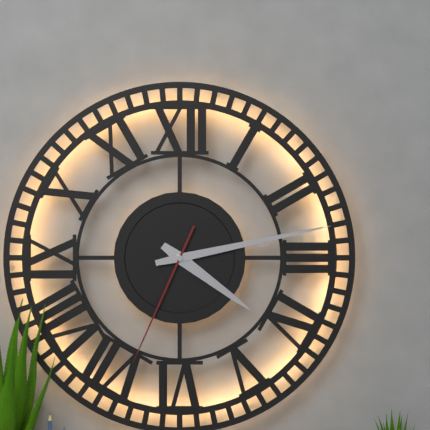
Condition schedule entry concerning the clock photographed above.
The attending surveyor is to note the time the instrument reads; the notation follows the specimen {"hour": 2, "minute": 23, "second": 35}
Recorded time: {"hour": 4, "minute": 13, "second": 34}
